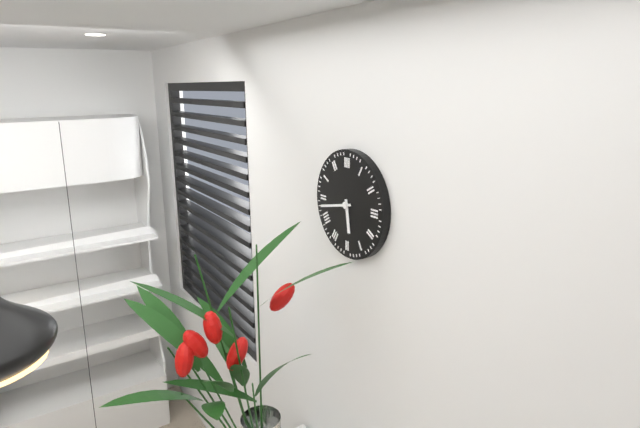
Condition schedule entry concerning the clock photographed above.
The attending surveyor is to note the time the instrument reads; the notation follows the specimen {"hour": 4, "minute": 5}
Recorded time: {"hour": 5, "minute": 43}
